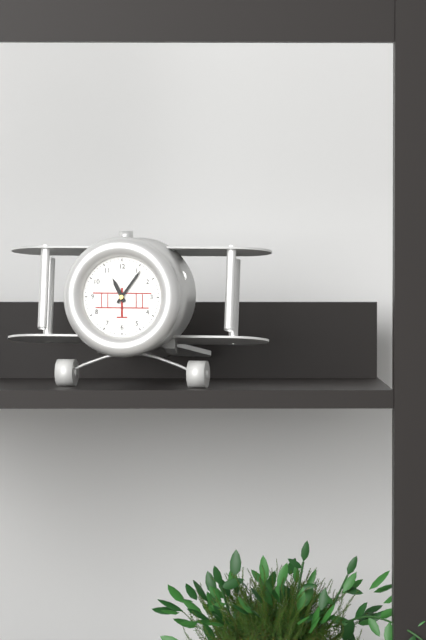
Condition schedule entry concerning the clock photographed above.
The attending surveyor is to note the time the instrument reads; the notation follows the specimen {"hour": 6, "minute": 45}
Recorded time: {"hour": 11, "minute": 6}
